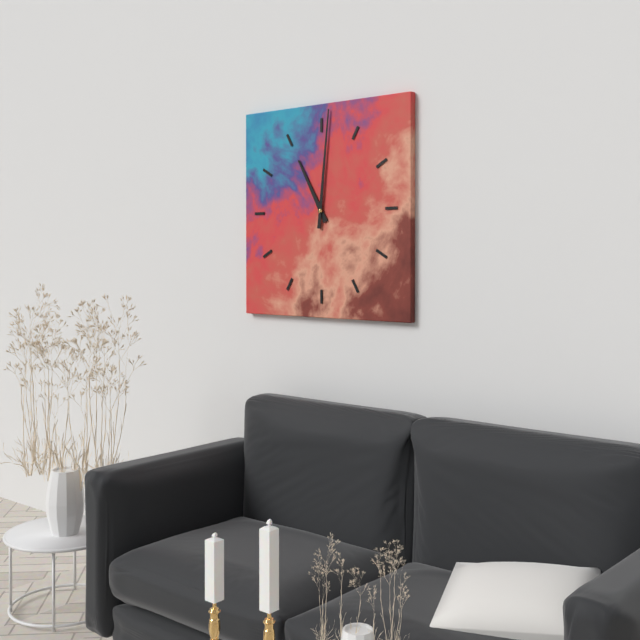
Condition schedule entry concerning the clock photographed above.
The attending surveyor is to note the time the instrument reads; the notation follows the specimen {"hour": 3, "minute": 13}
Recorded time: {"hour": 11, "minute": 1}
